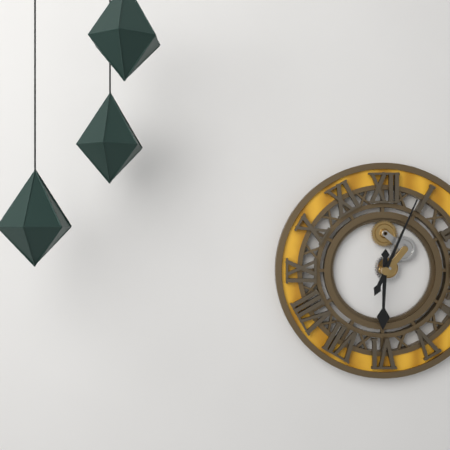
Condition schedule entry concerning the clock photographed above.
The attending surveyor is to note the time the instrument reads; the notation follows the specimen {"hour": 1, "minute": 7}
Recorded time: {"hour": 6, "minute": 4}
